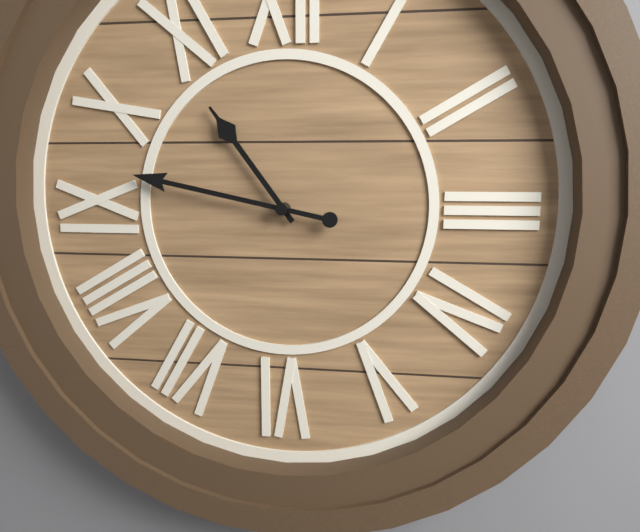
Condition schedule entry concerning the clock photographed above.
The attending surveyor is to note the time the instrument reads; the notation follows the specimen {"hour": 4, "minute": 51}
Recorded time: {"hour": 10, "minute": 47}
